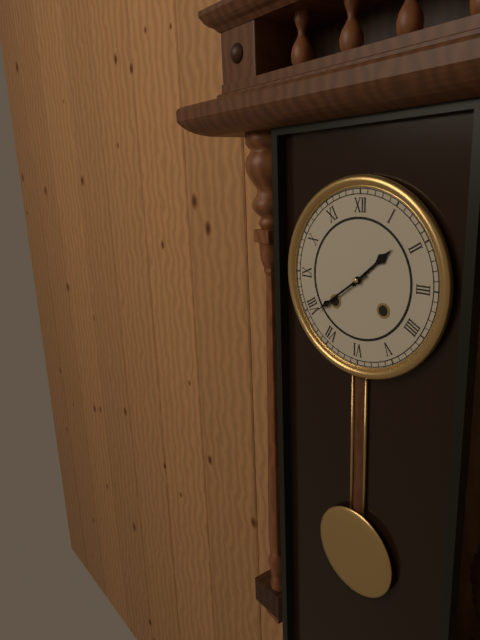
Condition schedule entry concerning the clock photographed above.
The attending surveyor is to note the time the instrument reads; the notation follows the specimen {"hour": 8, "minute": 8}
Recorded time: {"hour": 1, "minute": 39}
